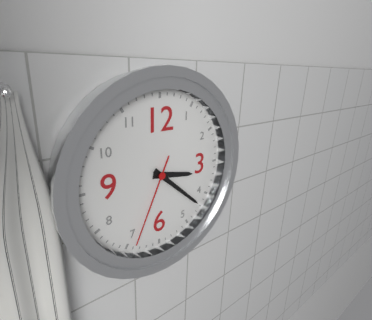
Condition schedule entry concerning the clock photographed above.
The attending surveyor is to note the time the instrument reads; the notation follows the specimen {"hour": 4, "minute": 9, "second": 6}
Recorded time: {"hour": 3, "minute": 22, "second": 34}
